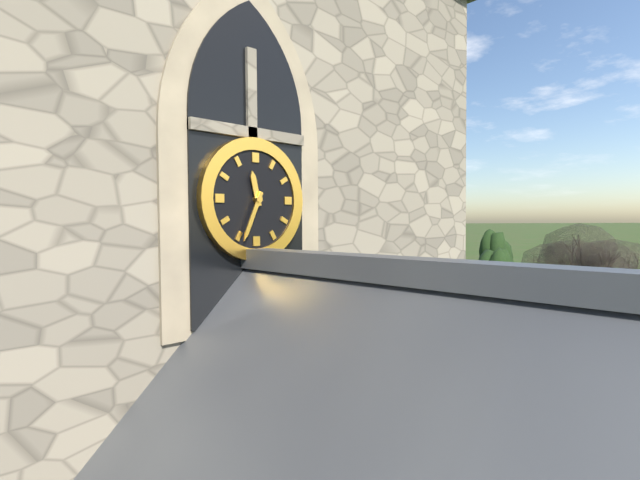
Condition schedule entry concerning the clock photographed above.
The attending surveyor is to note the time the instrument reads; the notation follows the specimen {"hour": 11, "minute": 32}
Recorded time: {"hour": 11, "minute": 34}
